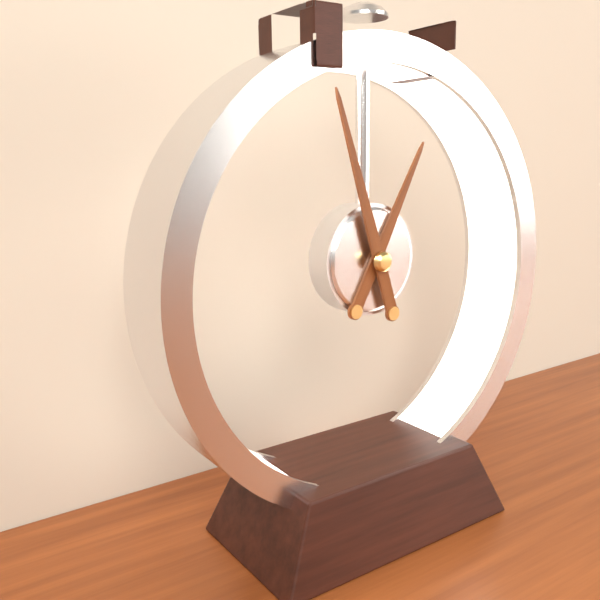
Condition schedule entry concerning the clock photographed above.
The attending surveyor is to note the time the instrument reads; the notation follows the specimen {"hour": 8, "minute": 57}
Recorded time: {"hour": 12, "minute": 57}
